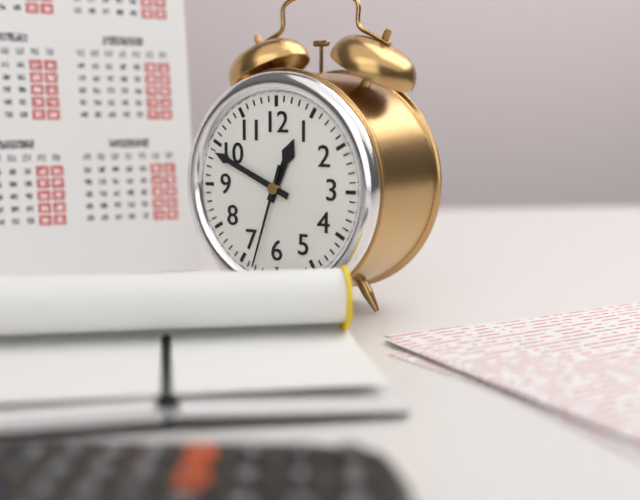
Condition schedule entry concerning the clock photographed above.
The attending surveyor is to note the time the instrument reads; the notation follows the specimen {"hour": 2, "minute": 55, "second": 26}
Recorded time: {"hour": 12, "minute": 49, "second": 33}
